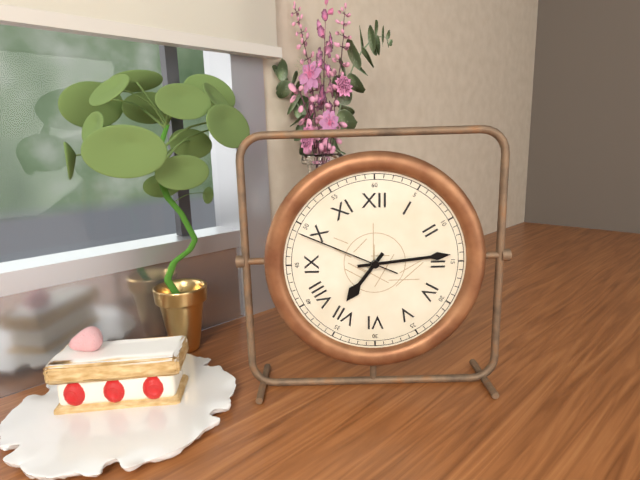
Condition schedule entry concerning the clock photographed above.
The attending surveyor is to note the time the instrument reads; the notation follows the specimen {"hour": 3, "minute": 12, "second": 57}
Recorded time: {"hour": 7, "minute": 14, "second": 49}
